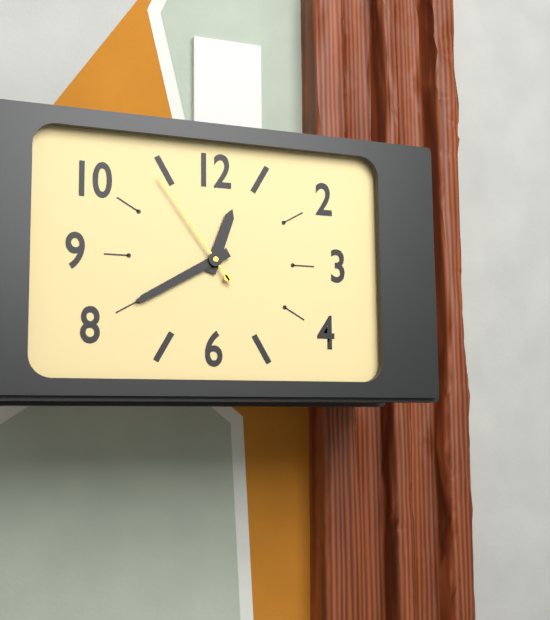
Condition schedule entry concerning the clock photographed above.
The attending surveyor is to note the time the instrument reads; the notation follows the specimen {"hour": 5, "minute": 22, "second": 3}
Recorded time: {"hour": 12, "minute": 40, "second": 54}
